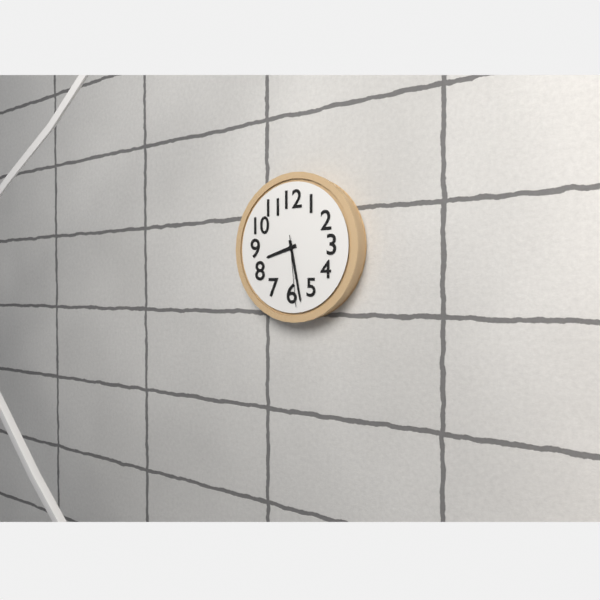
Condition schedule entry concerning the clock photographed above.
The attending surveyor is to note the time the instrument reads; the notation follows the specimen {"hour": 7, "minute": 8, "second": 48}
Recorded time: {"hour": 8, "minute": 28, "second": 29}
